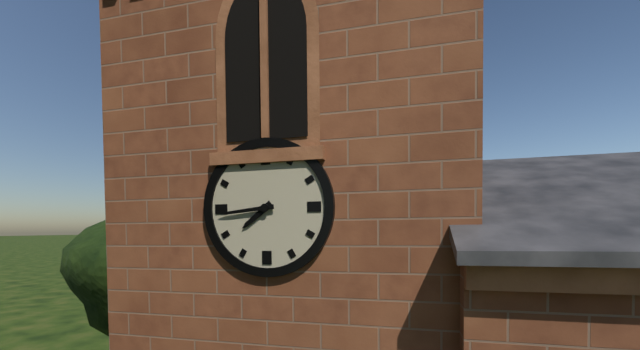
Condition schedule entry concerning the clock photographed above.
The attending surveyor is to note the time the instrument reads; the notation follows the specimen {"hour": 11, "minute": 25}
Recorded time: {"hour": 7, "minute": 44}
